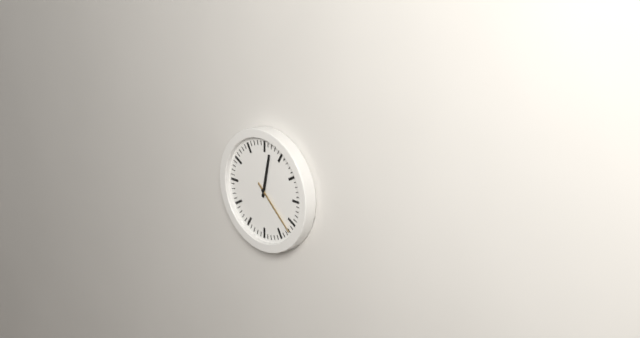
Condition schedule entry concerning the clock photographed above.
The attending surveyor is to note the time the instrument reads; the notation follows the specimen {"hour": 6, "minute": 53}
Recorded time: {"hour": 12, "minute": 22}
